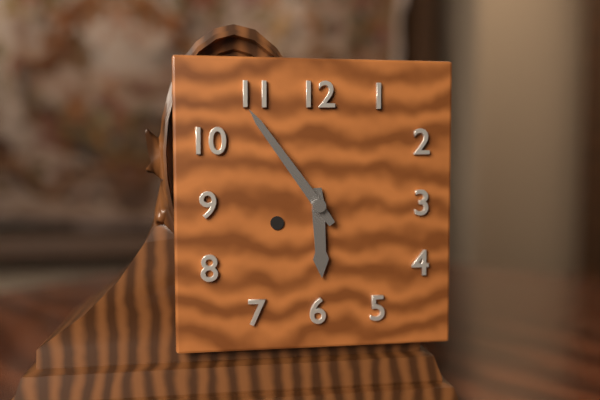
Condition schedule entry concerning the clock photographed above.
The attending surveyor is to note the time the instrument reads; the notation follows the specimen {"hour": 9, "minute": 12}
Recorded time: {"hour": 5, "minute": 54}
